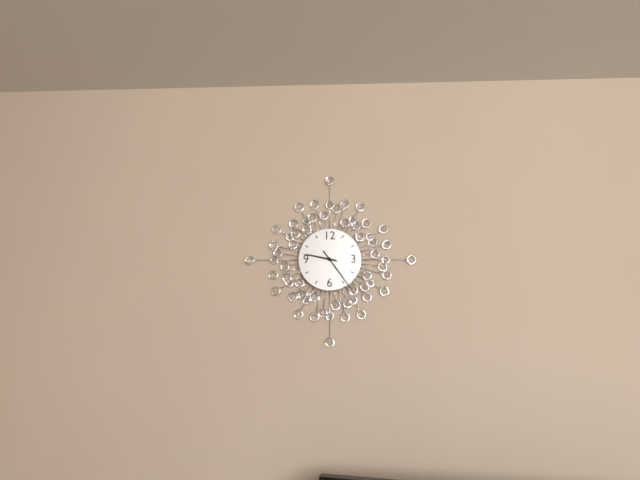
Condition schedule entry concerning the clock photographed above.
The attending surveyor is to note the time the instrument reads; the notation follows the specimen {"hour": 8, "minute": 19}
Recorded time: {"hour": 9, "minute": 24}
